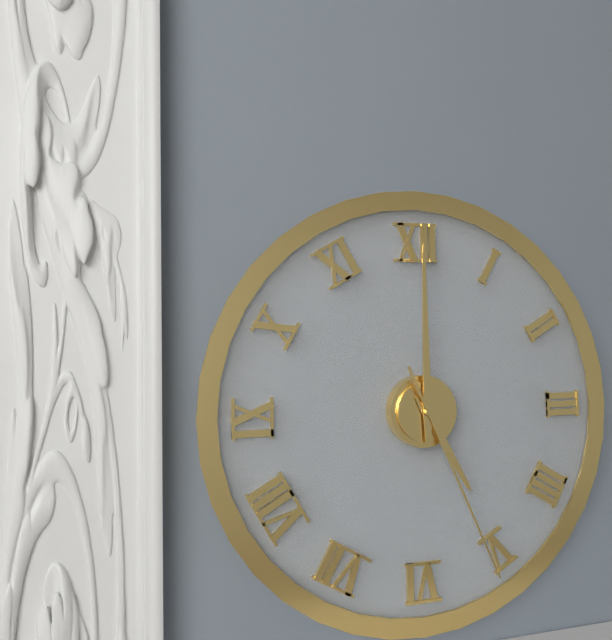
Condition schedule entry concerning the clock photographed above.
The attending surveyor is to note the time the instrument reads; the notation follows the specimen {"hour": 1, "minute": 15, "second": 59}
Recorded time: {"hour": 5, "minute": 0, "second": 26}
